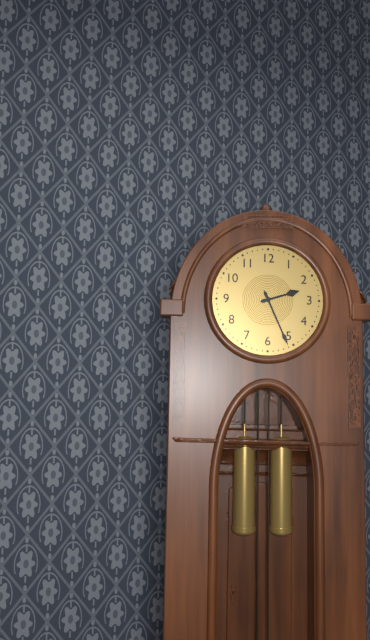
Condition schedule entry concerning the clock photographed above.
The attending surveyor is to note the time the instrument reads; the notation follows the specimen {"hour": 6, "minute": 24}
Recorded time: {"hour": 2, "minute": 26}
